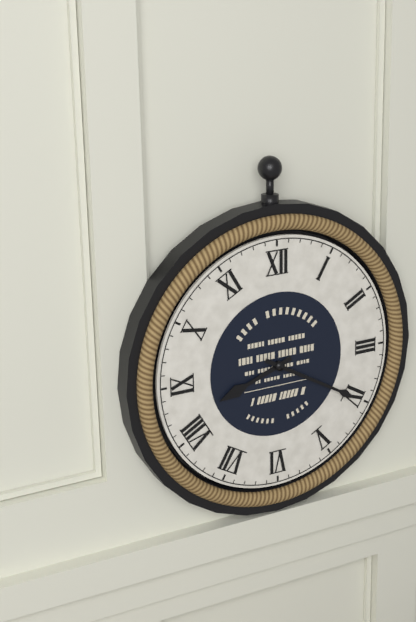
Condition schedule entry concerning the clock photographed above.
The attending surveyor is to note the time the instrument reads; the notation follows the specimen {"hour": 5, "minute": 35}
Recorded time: {"hour": 8, "minute": 20}
